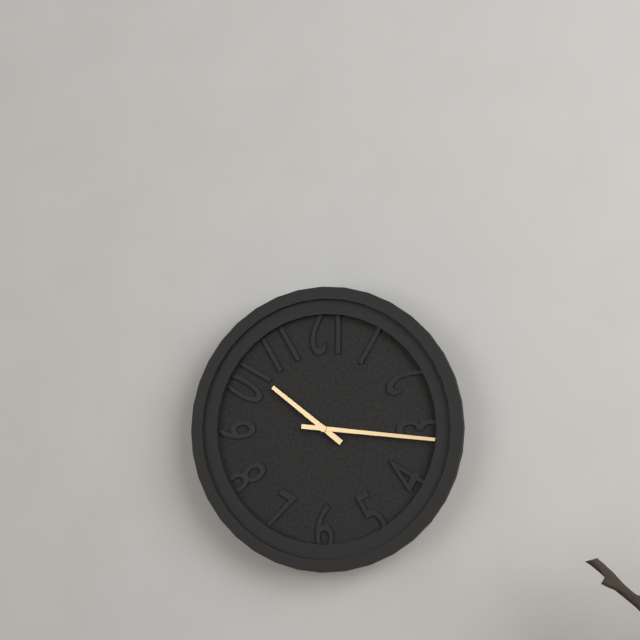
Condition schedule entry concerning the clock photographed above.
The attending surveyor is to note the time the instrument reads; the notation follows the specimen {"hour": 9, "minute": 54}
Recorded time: {"hour": 10, "minute": 16}
